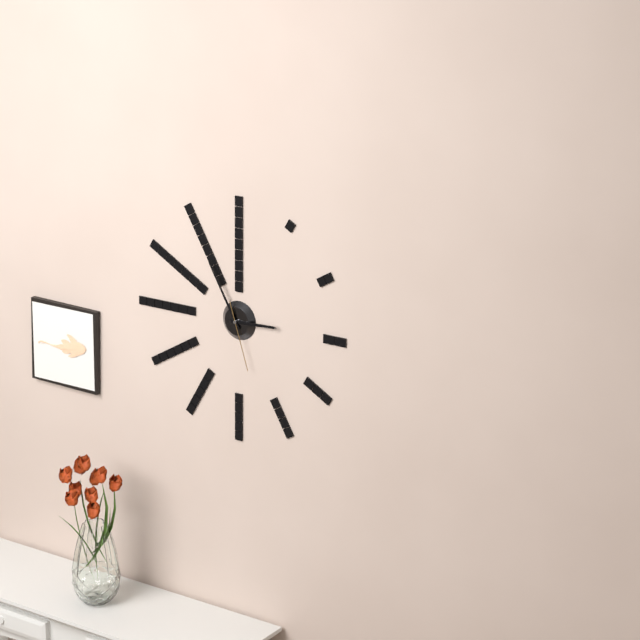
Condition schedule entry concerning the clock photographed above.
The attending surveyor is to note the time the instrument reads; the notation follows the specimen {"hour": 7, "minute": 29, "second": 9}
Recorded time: {"hour": 2, "minute": 55, "second": 27}
